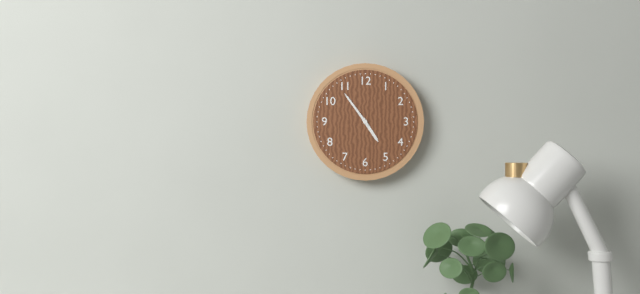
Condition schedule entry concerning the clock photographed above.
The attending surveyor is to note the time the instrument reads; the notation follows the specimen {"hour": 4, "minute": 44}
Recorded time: {"hour": 4, "minute": 54}
